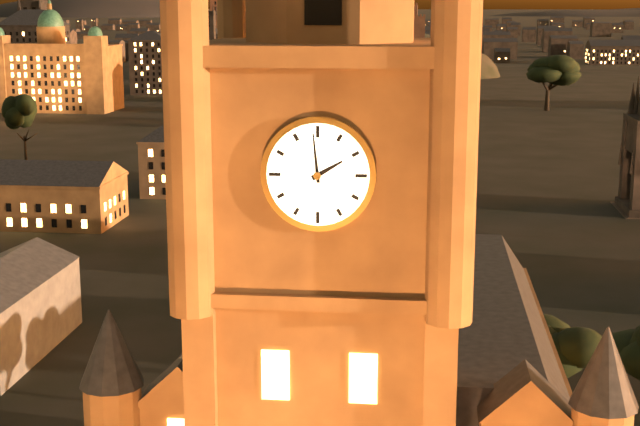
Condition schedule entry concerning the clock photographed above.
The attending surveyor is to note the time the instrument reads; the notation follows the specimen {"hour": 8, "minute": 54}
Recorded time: {"hour": 1, "minute": 59}
